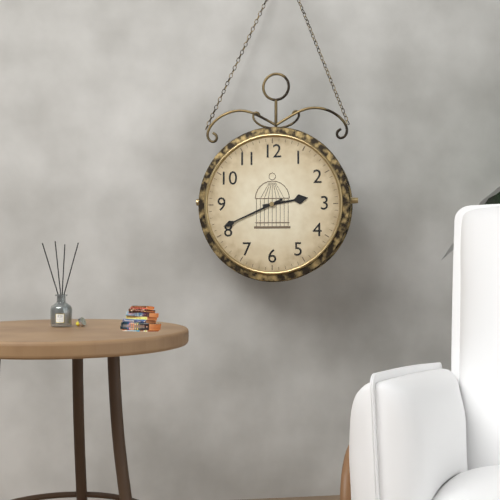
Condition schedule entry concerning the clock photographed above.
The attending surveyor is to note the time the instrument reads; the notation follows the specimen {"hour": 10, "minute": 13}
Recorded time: {"hour": 2, "minute": 41}
